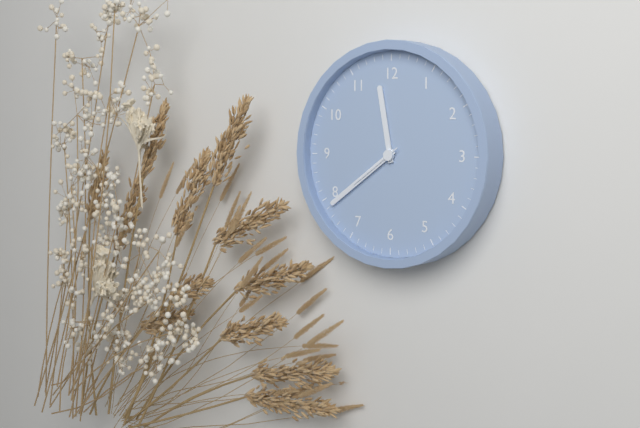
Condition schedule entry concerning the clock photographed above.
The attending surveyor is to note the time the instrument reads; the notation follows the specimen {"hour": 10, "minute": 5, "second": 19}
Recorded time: {"hour": 11, "minute": 39, "second": 39}
